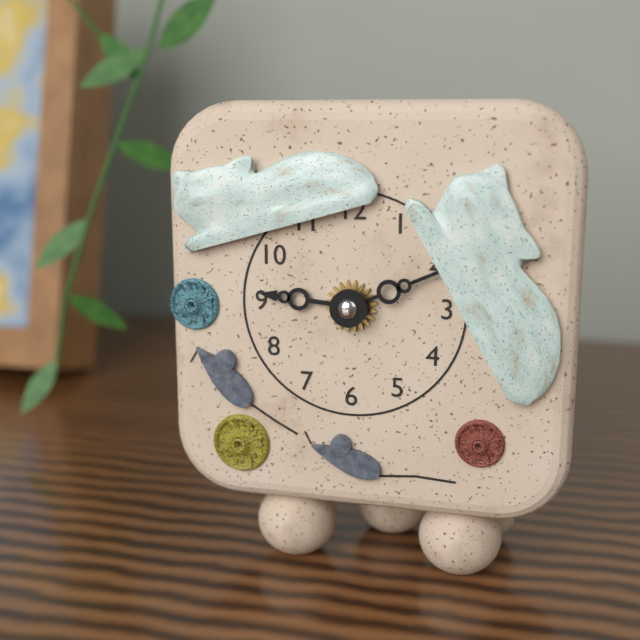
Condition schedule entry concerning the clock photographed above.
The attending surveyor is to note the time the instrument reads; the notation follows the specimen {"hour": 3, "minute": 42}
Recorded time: {"hour": 9, "minute": 11}
